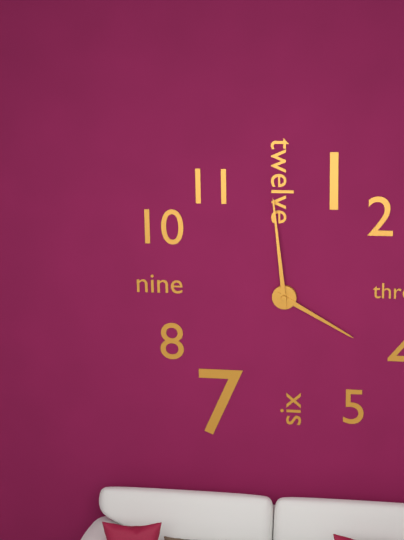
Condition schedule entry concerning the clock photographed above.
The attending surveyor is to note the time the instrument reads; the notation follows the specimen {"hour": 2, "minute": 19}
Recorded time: {"hour": 3, "minute": 59}
